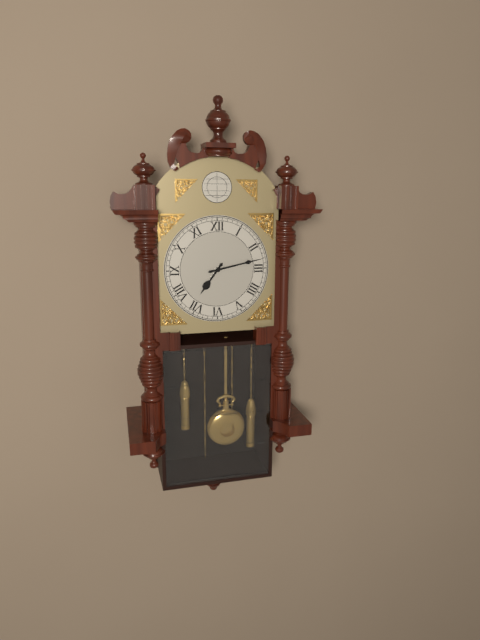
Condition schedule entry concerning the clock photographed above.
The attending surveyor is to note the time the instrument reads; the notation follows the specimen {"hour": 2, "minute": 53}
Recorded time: {"hour": 7, "minute": 13}
